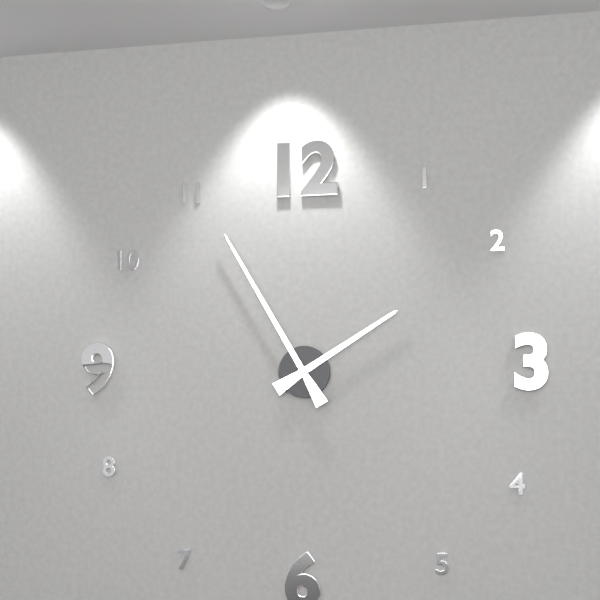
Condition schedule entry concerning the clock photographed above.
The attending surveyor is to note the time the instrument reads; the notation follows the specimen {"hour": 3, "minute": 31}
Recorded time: {"hour": 1, "minute": 55}
